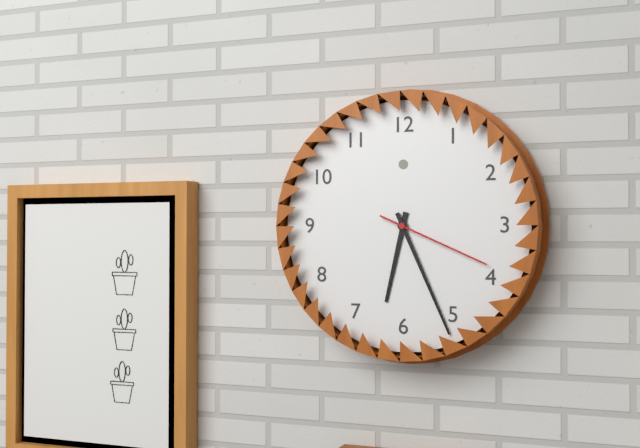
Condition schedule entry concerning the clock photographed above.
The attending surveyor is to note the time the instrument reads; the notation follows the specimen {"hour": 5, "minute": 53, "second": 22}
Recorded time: {"hour": 6, "minute": 26, "second": 19}
